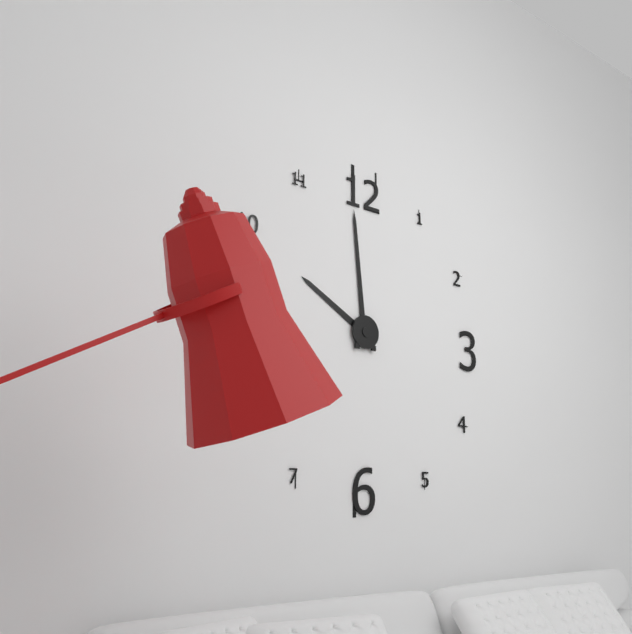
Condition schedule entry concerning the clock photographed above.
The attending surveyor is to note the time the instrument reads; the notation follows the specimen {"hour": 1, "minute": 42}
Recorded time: {"hour": 9, "minute": 59}
